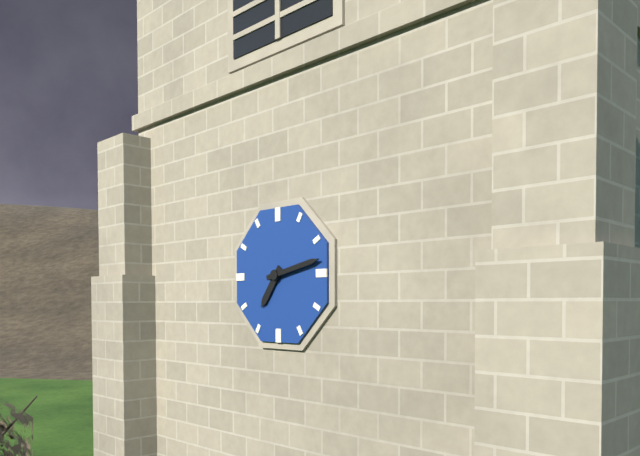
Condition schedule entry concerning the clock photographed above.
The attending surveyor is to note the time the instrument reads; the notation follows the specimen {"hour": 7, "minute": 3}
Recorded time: {"hour": 7, "minute": 13}
